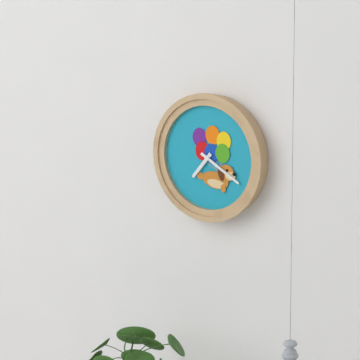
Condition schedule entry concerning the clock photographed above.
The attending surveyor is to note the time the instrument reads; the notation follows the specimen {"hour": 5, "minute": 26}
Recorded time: {"hour": 7, "minute": 20}
